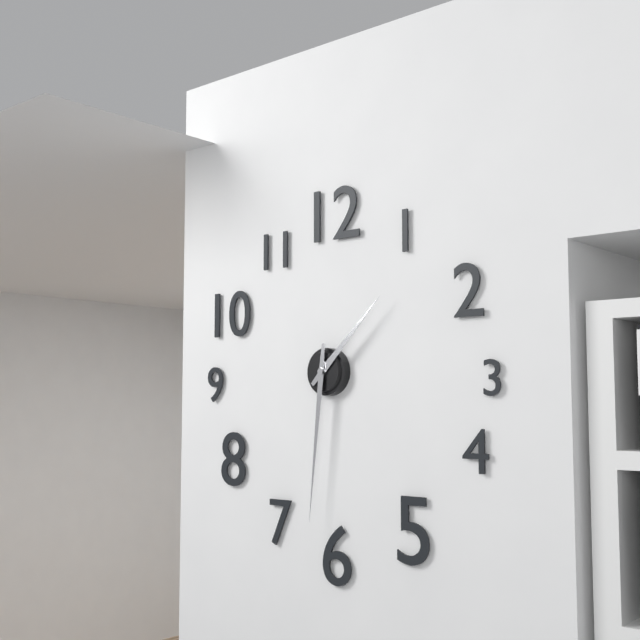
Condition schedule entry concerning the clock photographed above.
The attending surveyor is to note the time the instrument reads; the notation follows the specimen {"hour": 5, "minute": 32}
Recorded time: {"hour": 1, "minute": 31}
